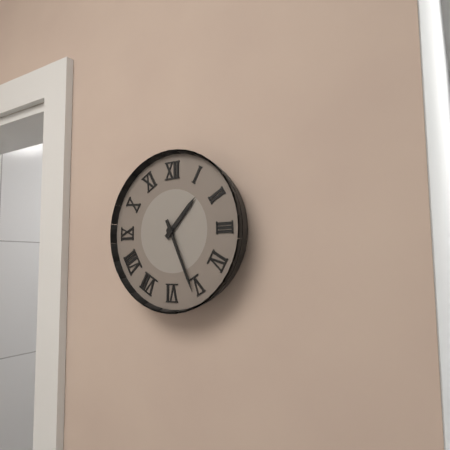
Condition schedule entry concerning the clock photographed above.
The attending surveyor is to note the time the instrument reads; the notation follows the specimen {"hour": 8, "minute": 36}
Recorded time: {"hour": 1, "minute": 26}
